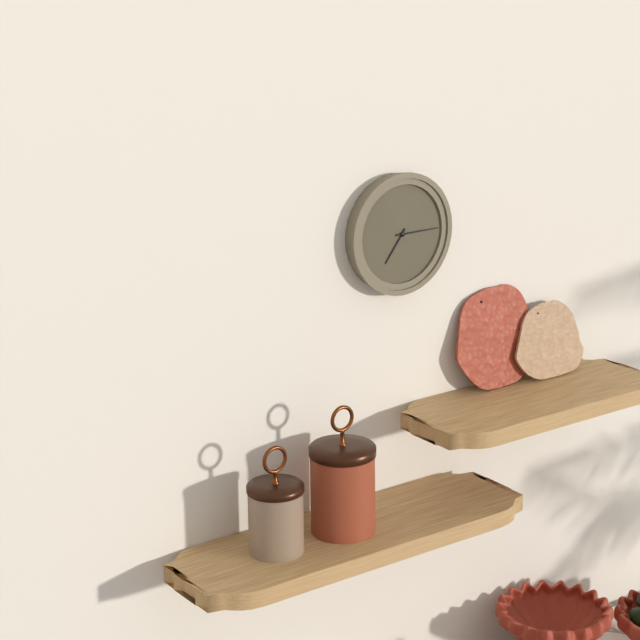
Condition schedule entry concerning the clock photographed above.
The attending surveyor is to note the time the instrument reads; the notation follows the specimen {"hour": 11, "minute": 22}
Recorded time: {"hour": 7, "minute": 15}
